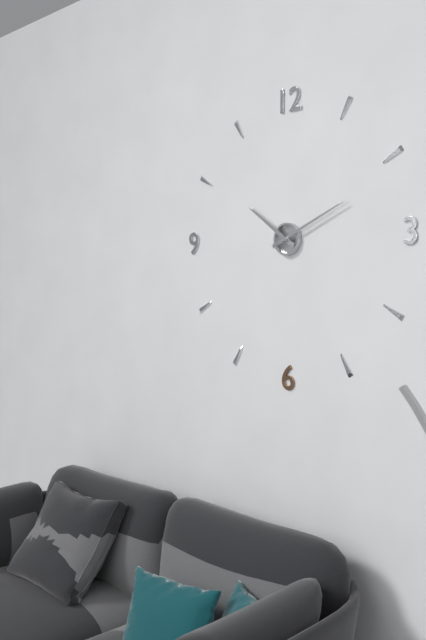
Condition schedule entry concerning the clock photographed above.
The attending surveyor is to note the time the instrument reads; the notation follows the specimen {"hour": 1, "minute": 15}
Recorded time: {"hour": 10, "minute": 11}
